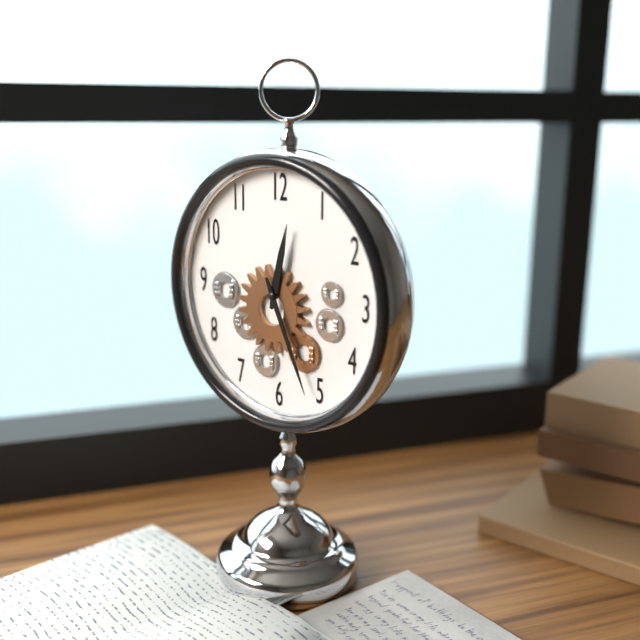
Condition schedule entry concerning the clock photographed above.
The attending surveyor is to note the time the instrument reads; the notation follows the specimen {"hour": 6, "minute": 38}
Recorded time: {"hour": 12, "minute": 26}
